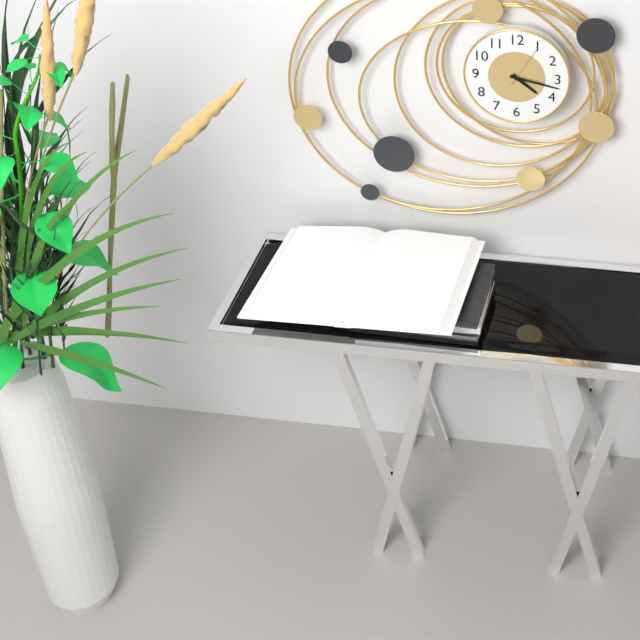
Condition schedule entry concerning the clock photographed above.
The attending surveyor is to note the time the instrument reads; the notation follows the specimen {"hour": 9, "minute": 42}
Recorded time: {"hour": 4, "minute": 17}
